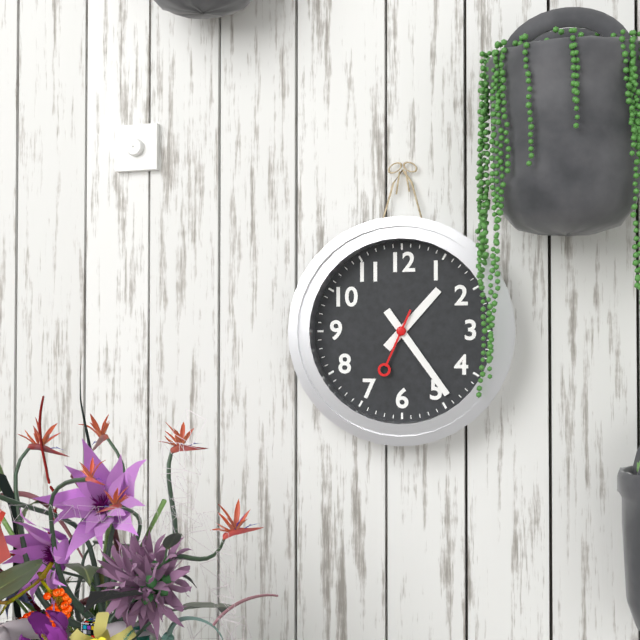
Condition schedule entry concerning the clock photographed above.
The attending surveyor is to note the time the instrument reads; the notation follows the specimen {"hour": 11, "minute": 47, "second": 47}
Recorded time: {"hour": 1, "minute": 24, "second": 34}
